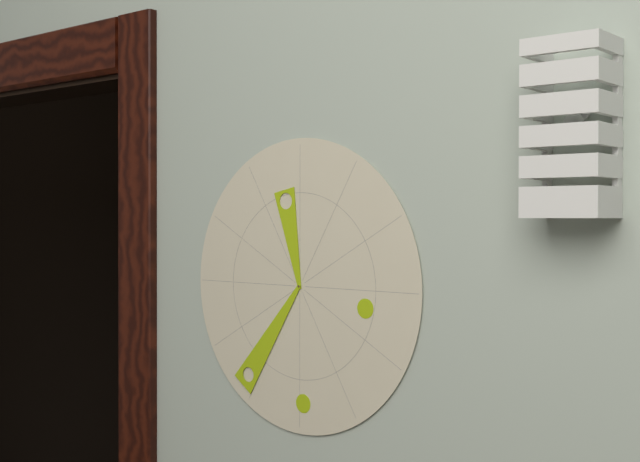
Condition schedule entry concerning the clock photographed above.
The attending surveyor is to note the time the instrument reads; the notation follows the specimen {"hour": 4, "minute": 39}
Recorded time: {"hour": 11, "minute": 36}
